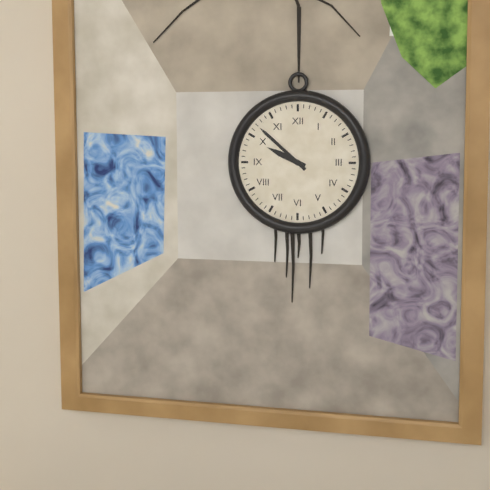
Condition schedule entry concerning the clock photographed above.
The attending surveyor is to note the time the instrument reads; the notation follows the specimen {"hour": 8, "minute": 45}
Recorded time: {"hour": 9, "minute": 52}
